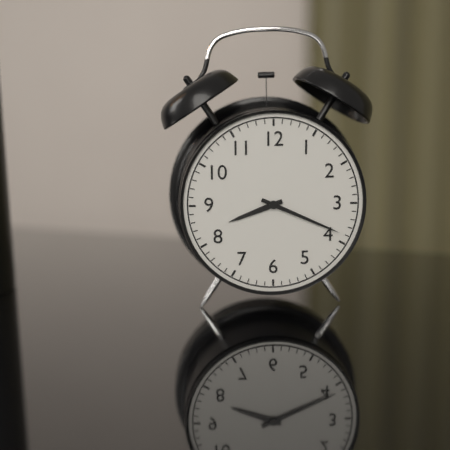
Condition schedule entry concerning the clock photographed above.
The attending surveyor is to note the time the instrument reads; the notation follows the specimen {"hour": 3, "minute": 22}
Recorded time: {"hour": 8, "minute": 19}
